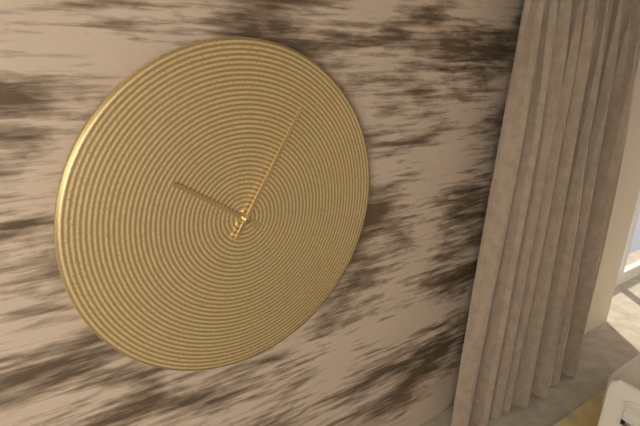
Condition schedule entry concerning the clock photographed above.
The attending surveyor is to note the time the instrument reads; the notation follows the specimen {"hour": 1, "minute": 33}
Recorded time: {"hour": 10, "minute": 5}
